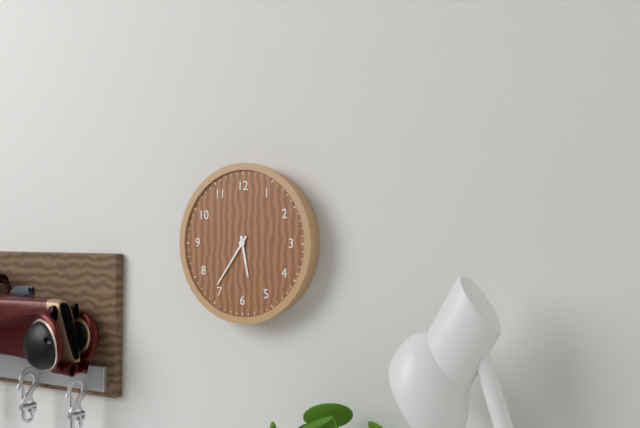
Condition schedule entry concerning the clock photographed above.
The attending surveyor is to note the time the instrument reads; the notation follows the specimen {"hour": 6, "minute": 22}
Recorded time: {"hour": 5, "minute": 36}
